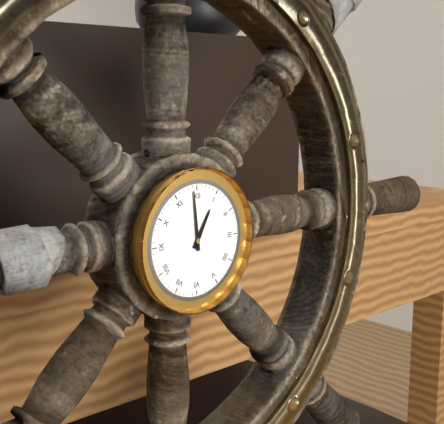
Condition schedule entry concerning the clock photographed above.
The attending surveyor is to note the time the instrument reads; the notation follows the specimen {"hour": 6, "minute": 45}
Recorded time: {"hour": 12, "minute": 59}
